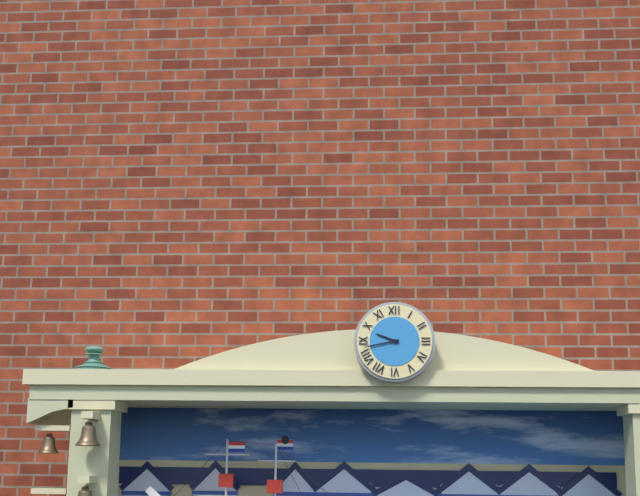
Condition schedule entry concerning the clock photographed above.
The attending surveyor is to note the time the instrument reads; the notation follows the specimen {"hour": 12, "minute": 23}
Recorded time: {"hour": 9, "minute": 43}
